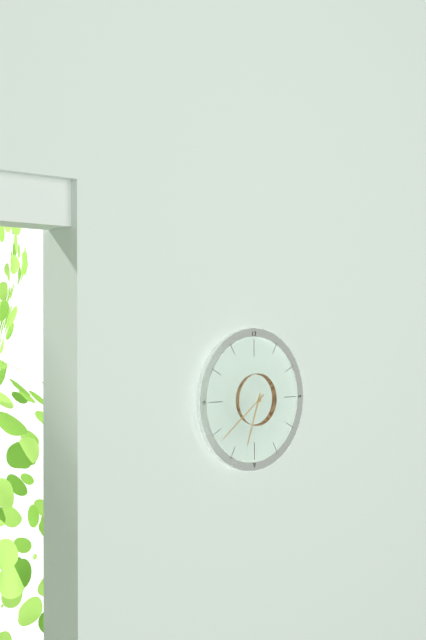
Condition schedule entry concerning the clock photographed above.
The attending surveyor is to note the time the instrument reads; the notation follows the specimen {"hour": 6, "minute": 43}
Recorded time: {"hour": 6, "minute": 39}
